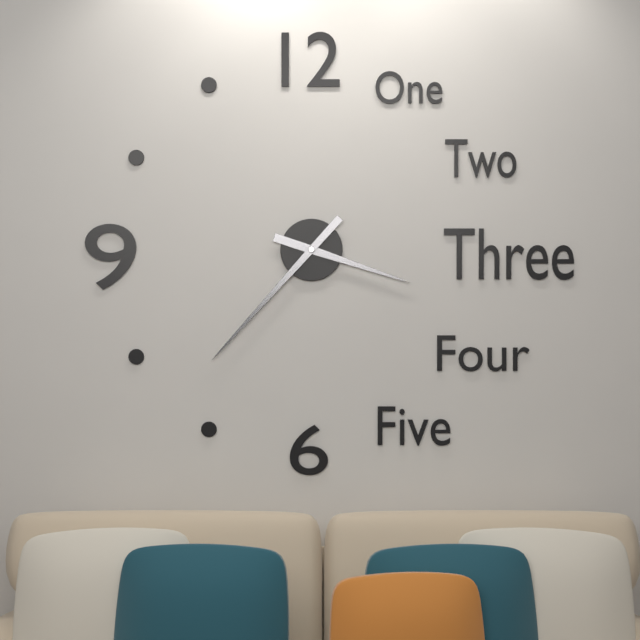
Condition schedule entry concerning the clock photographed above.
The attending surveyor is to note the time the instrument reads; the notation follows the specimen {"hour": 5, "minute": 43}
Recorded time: {"hour": 3, "minute": 37}
